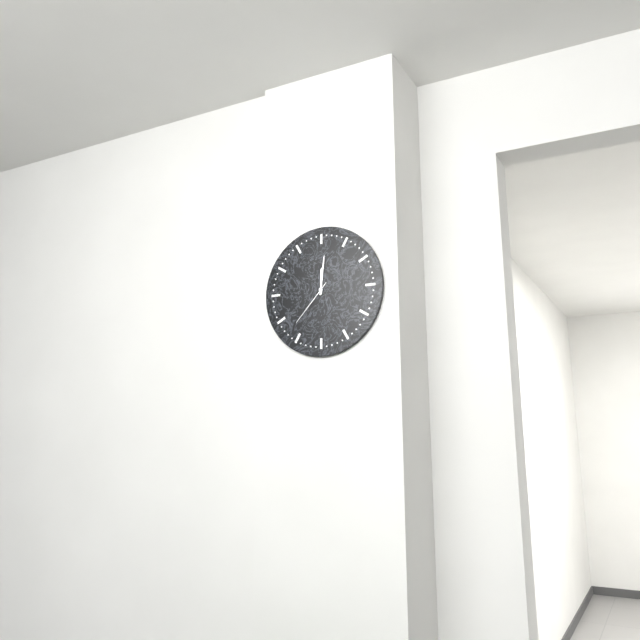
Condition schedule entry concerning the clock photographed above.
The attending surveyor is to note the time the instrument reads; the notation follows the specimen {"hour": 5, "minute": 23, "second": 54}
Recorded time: {"hour": 12, "minute": 1, "second": 37}
